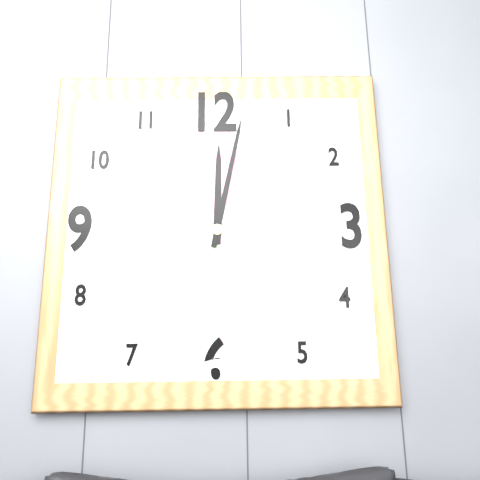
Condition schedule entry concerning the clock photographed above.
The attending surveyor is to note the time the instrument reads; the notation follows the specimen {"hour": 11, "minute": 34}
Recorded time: {"hour": 12, "minute": 2}
